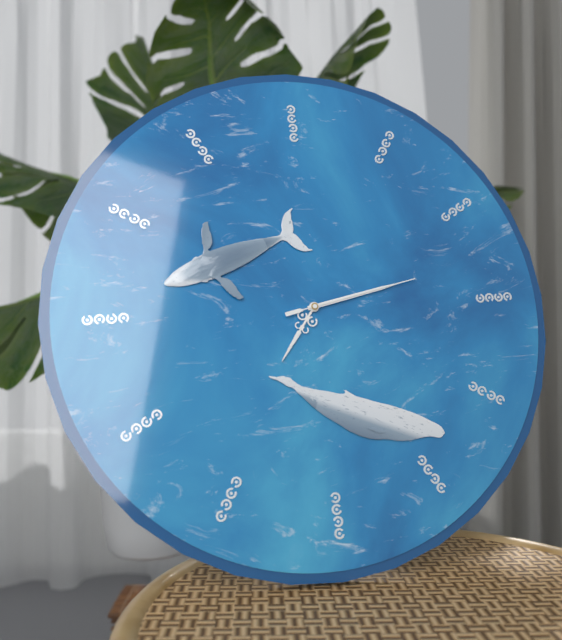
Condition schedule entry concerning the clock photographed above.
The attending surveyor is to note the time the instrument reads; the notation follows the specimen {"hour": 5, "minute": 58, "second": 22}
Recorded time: {"hour": 7, "minute": 13, "second": 13}
